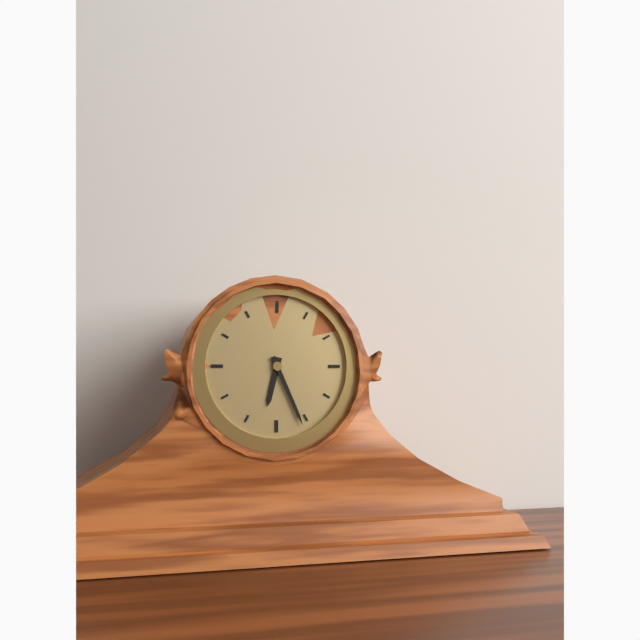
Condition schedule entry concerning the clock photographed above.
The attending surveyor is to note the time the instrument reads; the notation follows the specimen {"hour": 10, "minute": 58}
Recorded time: {"hour": 6, "minute": 26}
